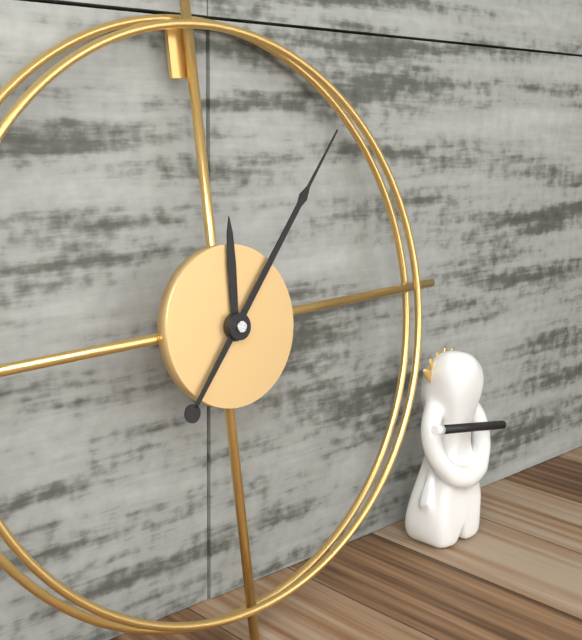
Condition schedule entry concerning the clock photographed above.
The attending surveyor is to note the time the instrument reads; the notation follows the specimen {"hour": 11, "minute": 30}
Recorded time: {"hour": 12, "minute": 7}
